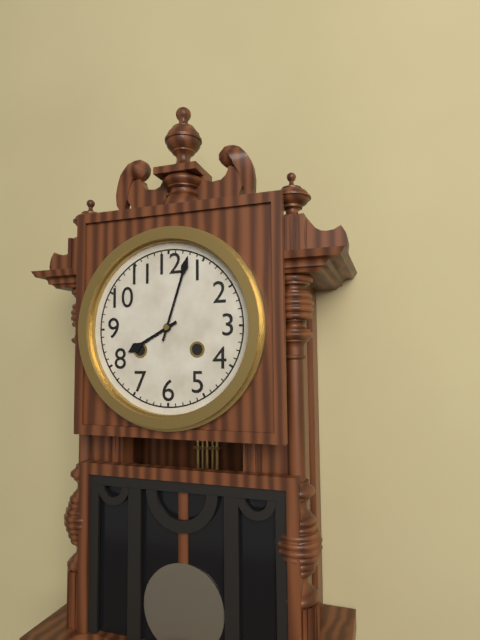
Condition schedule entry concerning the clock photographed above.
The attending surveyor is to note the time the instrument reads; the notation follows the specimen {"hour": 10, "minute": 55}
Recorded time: {"hour": 8, "minute": 3}
